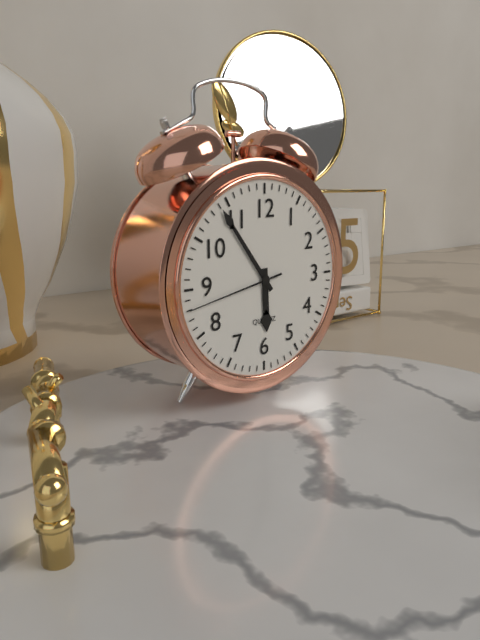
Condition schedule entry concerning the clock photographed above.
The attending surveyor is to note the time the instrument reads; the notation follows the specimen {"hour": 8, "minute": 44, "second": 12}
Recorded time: {"hour": 5, "minute": 54, "second": 43}
